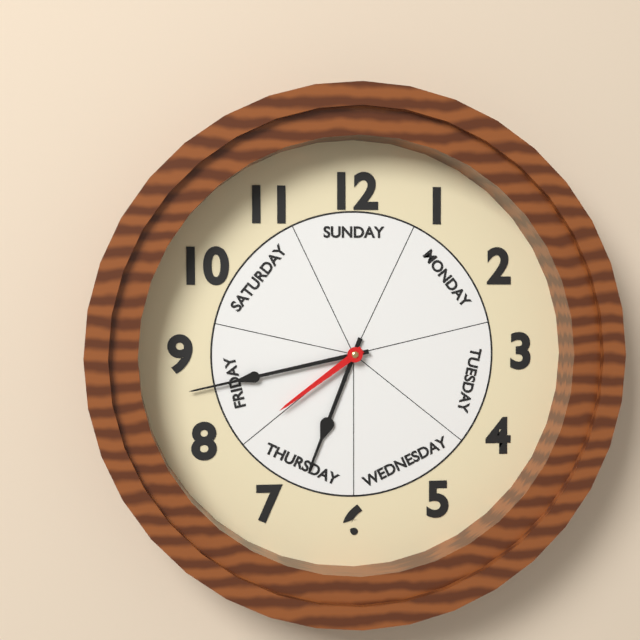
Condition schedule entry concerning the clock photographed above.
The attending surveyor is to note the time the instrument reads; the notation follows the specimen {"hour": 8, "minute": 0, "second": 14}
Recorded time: {"hour": 6, "minute": 43, "second": 39}
